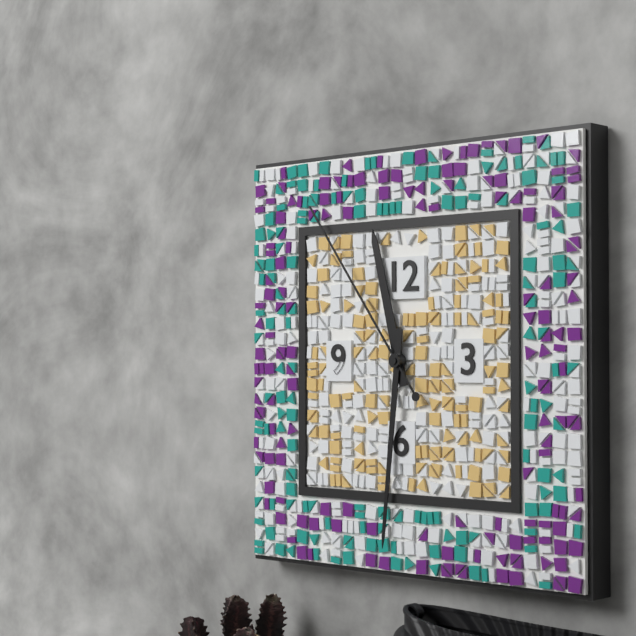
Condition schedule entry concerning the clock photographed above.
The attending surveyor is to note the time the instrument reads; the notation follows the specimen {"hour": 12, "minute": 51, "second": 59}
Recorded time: {"hour": 11, "minute": 31, "second": 54}
